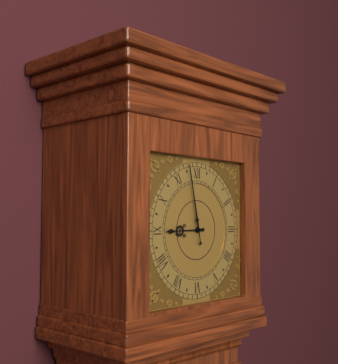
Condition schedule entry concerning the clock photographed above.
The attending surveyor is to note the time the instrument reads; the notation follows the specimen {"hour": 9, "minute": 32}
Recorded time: {"hour": 8, "minute": 58}
